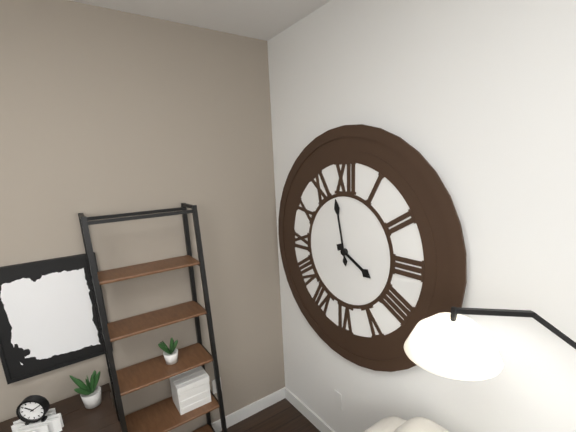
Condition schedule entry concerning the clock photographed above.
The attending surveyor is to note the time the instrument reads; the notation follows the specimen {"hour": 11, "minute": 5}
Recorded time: {"hour": 3, "minute": 58}
